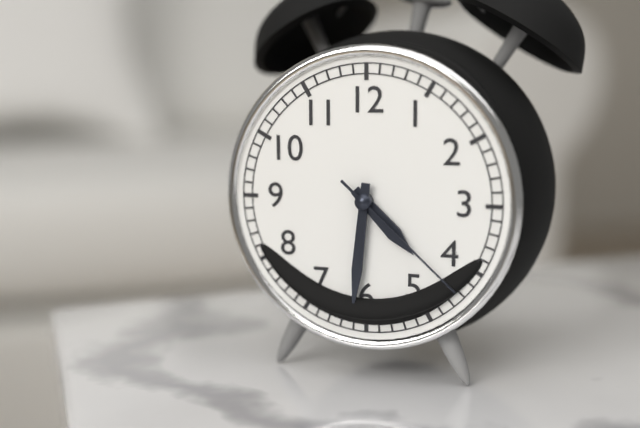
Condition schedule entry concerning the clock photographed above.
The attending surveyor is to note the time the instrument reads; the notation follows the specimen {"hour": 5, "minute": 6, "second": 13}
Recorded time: {"hour": 4, "minute": 31, "second": 22}
